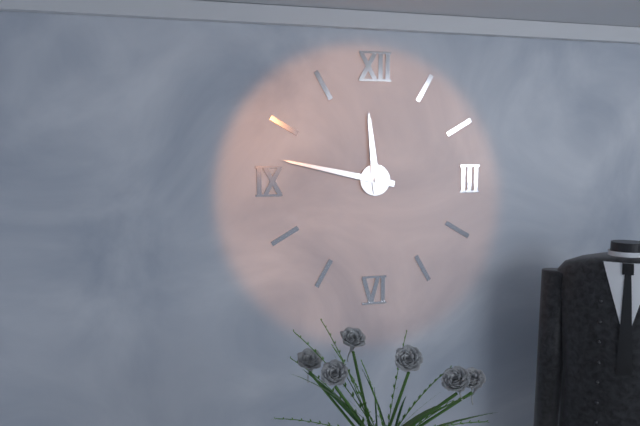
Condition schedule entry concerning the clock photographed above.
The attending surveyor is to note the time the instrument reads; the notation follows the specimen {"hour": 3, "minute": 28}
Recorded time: {"hour": 11, "minute": 47}
